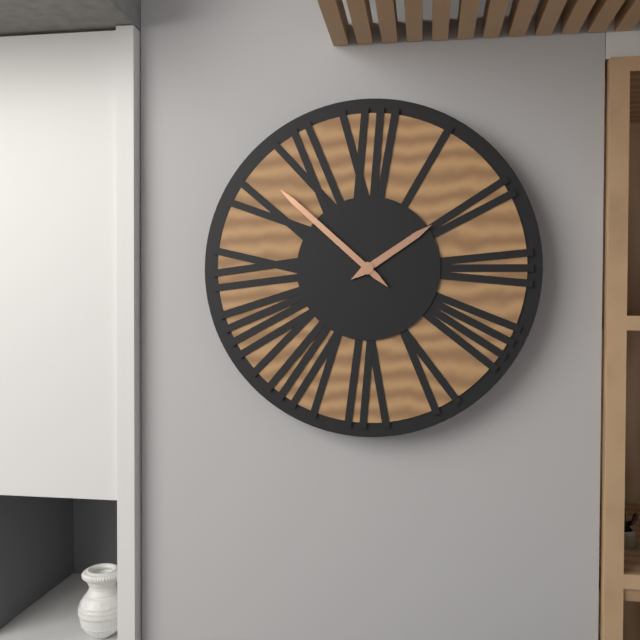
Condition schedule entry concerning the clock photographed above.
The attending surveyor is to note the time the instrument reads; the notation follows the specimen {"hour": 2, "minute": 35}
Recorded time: {"hour": 1, "minute": 52}
